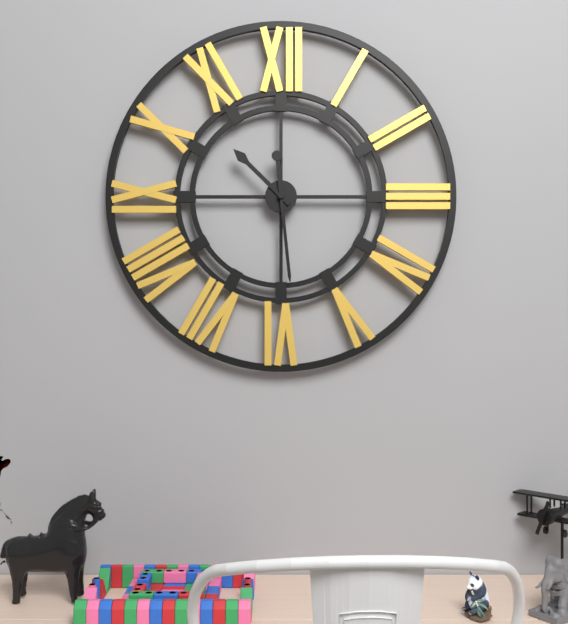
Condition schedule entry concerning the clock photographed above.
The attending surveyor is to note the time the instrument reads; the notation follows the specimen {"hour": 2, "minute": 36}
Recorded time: {"hour": 10, "minute": 29}
